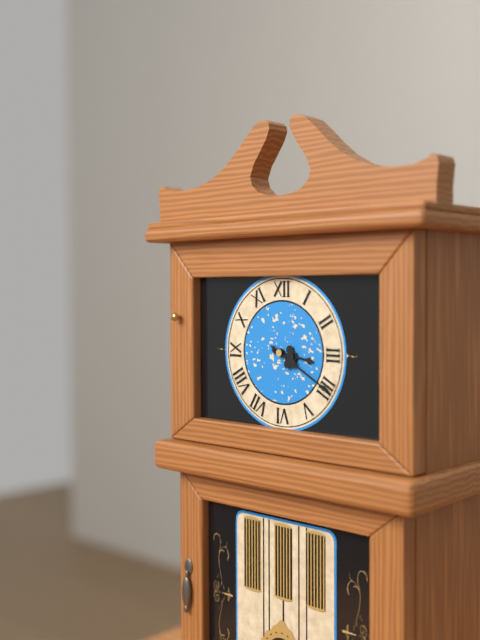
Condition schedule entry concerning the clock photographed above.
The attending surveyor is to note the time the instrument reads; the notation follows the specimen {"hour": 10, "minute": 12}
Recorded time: {"hour": 3, "minute": 20}
